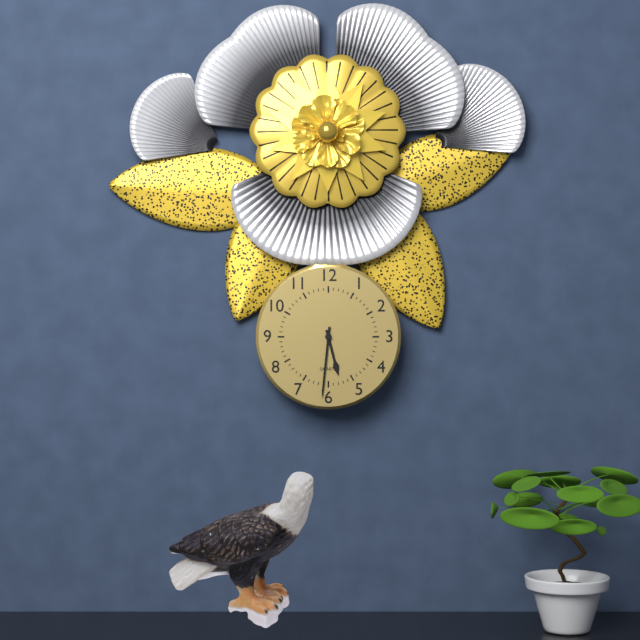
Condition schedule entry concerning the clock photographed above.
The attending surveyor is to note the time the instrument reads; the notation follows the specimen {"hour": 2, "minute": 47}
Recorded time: {"hour": 5, "minute": 31}
